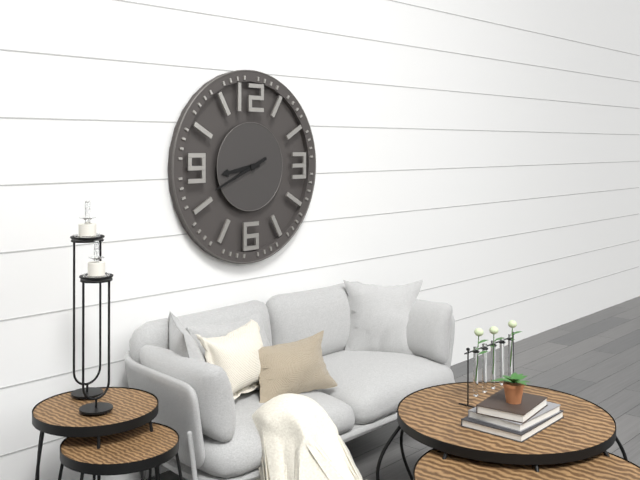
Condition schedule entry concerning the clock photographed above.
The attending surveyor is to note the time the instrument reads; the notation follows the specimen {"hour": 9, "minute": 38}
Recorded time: {"hour": 8, "minute": 41}
